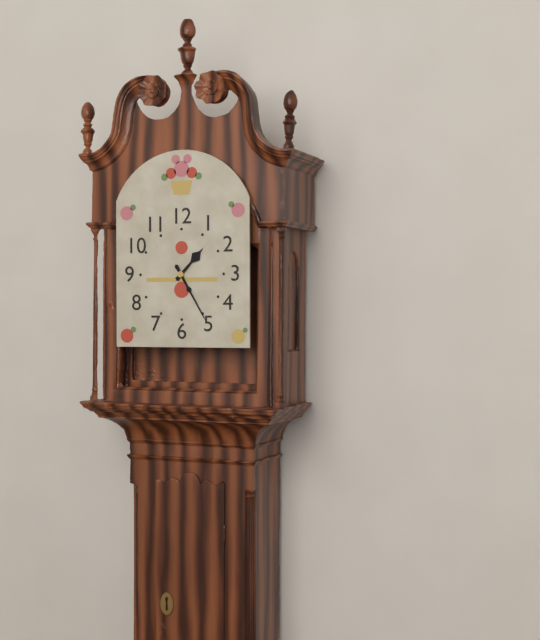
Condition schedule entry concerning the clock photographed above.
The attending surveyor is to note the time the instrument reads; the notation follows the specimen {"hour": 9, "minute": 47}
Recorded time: {"hour": 1, "minute": 25}
